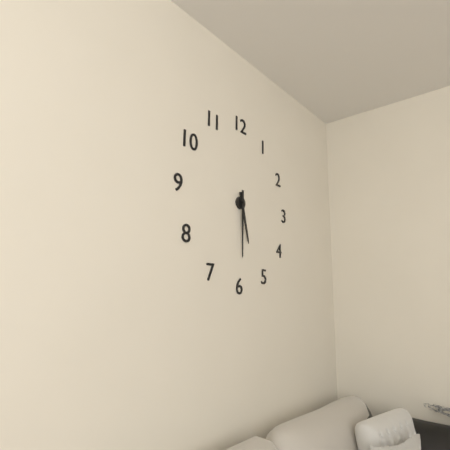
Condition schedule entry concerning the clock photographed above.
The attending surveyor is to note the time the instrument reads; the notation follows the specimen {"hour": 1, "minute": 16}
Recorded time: {"hour": 5, "minute": 30}
